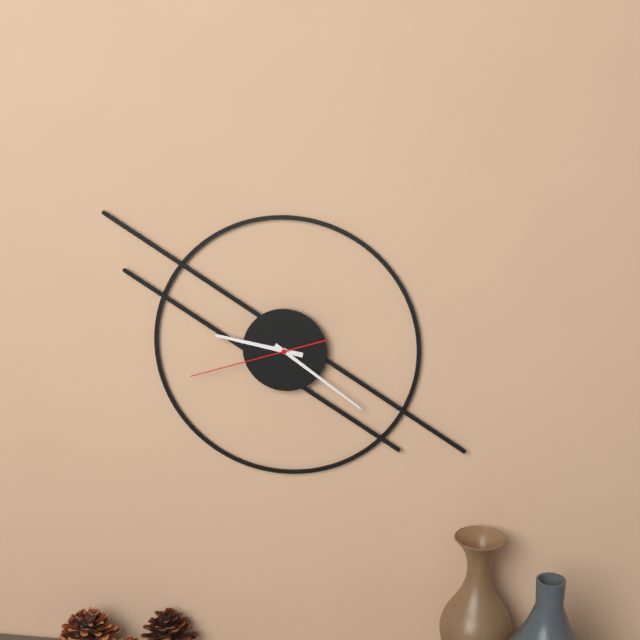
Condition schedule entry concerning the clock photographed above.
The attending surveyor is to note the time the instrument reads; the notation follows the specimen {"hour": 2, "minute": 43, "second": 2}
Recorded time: {"hour": 9, "minute": 21, "second": 42}
